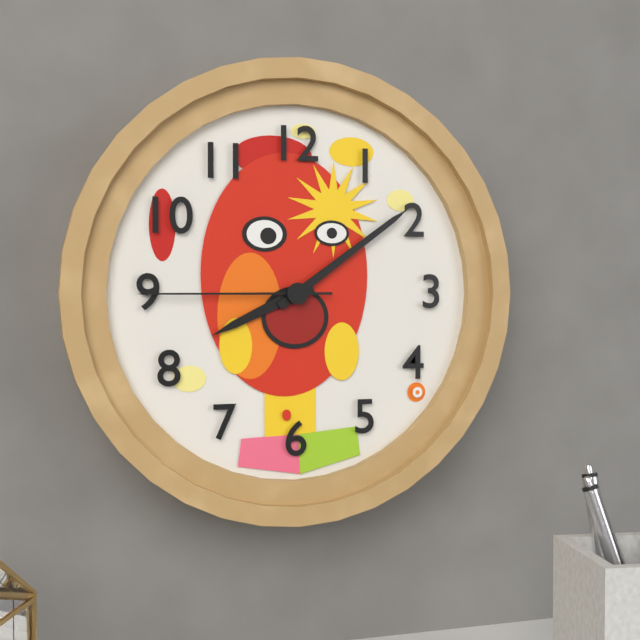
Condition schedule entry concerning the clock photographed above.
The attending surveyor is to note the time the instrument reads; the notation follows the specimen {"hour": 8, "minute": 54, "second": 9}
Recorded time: {"hour": 8, "minute": 9, "second": 45}
